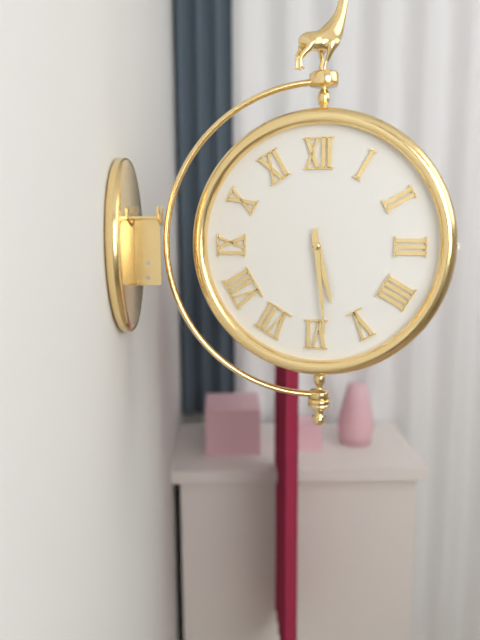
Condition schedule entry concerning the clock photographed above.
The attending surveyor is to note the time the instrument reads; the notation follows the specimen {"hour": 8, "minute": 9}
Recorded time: {"hour": 5, "minute": 29}
